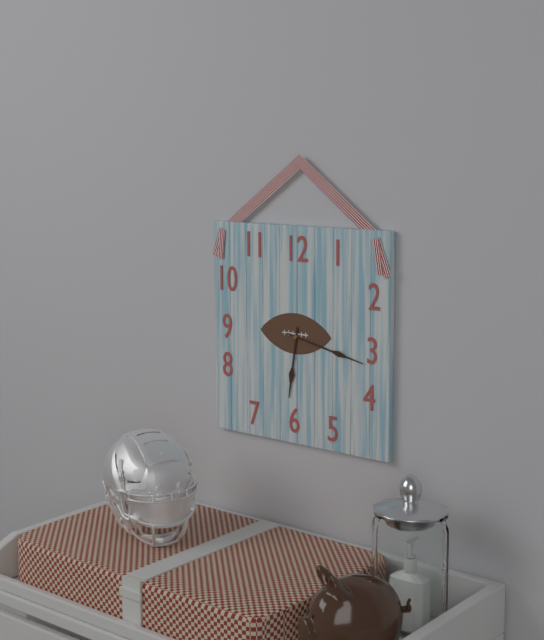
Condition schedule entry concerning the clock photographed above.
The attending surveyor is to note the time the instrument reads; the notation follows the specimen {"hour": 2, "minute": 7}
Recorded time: {"hour": 6, "minute": 17}
